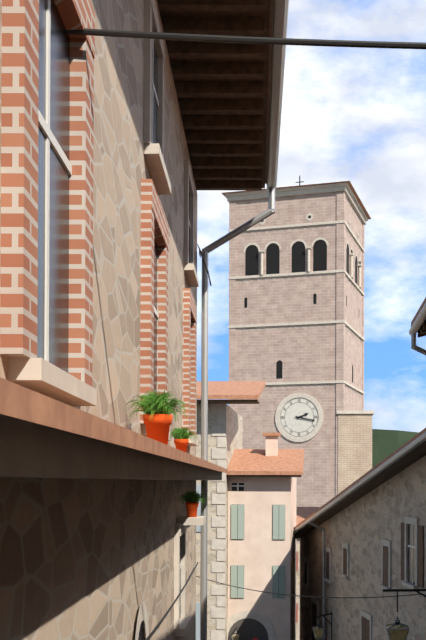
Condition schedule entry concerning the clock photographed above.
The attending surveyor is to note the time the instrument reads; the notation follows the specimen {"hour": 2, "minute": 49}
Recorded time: {"hour": 2, "minute": 17}
